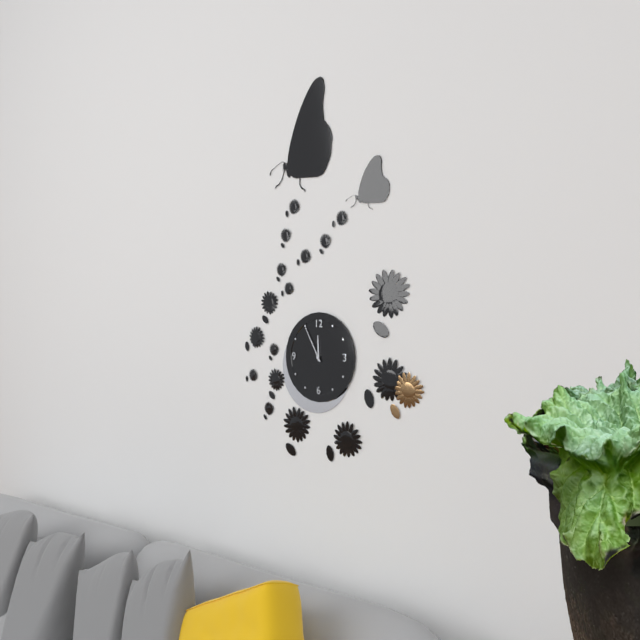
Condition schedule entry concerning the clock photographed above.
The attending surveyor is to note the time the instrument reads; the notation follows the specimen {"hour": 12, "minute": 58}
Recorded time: {"hour": 11, "minute": 55}
